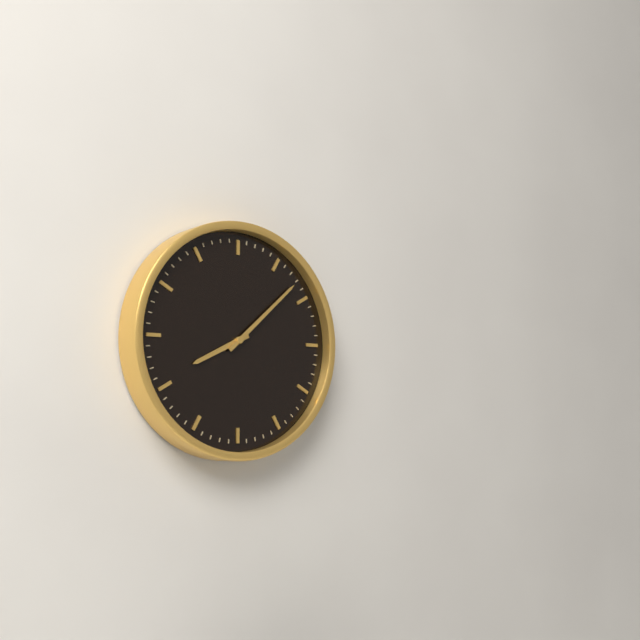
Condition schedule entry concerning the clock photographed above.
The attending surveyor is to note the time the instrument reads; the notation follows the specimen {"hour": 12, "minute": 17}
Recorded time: {"hour": 8, "minute": 8}
